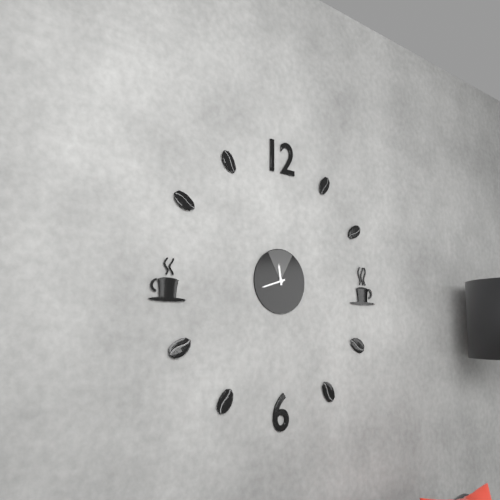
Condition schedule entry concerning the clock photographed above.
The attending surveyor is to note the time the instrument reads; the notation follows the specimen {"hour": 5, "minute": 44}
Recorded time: {"hour": 11, "minute": 42}
